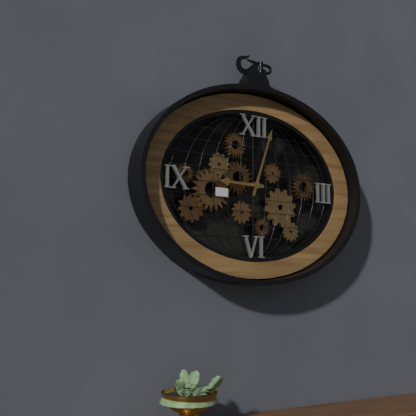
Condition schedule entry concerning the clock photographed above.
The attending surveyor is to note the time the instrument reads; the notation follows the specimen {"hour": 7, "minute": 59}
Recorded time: {"hour": 9, "minute": 3}
